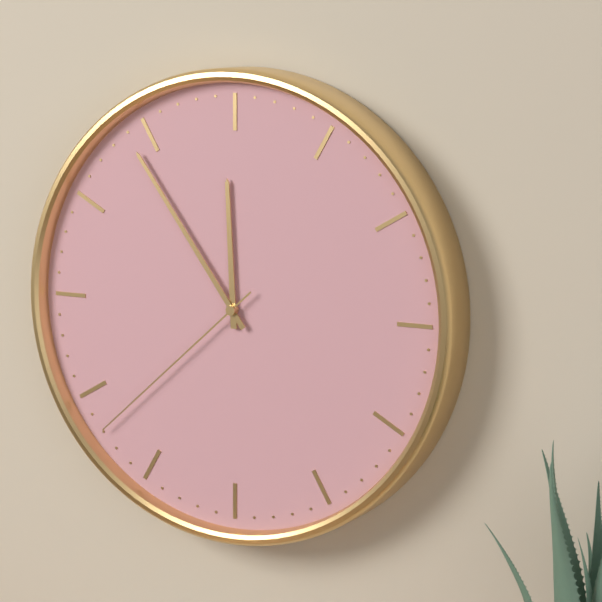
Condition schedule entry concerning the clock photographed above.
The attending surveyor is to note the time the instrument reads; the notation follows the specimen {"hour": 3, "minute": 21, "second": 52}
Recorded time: {"hour": 11, "minute": 54, "second": 38}
